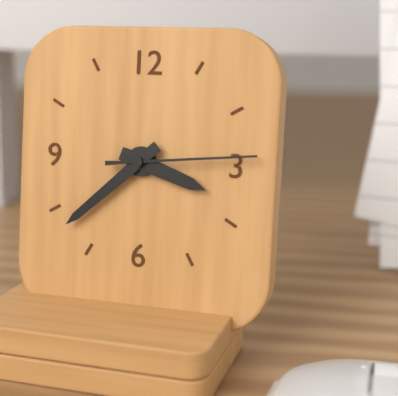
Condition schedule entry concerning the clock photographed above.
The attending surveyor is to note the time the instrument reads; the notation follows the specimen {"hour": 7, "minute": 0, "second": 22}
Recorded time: {"hour": 3, "minute": 38, "second": 14}
